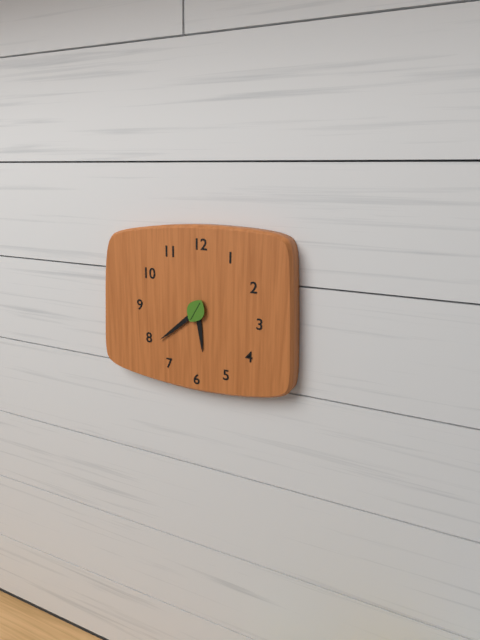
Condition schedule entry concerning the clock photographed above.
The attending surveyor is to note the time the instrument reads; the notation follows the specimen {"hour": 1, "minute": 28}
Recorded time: {"hour": 5, "minute": 38}
